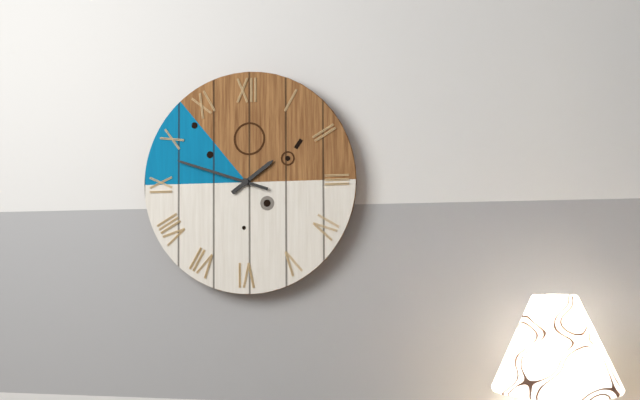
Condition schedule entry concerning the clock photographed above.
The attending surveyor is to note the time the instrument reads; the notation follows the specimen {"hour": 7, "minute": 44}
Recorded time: {"hour": 1, "minute": 48}
